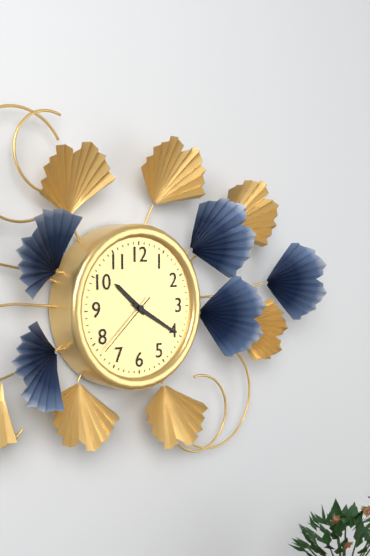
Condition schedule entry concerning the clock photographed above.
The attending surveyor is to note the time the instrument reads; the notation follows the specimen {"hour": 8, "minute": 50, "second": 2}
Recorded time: {"hour": 10, "minute": 20, "second": 38}
